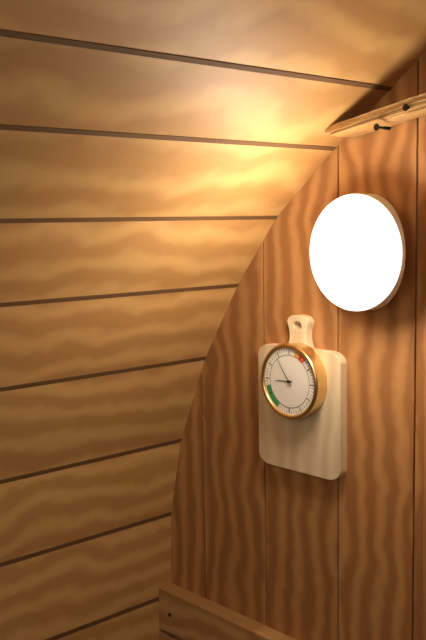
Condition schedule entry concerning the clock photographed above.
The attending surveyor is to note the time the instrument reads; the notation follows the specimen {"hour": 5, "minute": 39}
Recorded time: {"hour": 8, "minute": 54}
